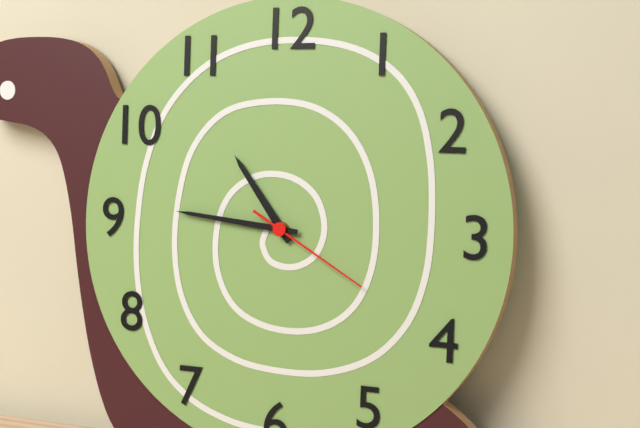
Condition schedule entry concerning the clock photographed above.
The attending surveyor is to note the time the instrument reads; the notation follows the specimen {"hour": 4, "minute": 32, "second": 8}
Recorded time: {"hour": 10, "minute": 46, "second": 20}
